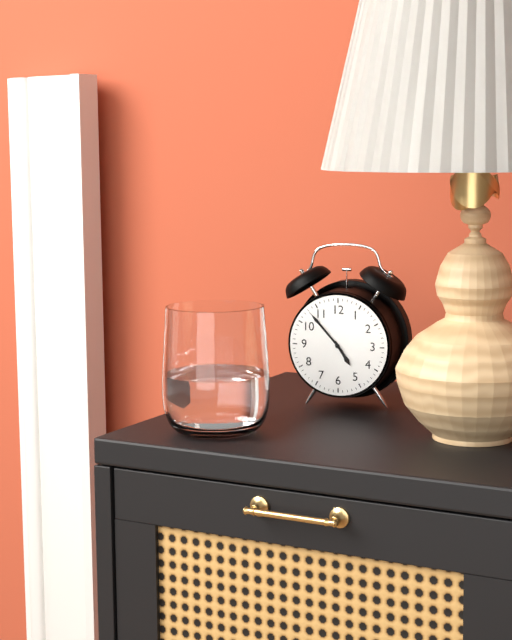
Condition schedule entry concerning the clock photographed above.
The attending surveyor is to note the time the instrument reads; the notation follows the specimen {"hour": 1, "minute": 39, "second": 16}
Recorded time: {"hour": 4, "minute": 53, "second": 53}
